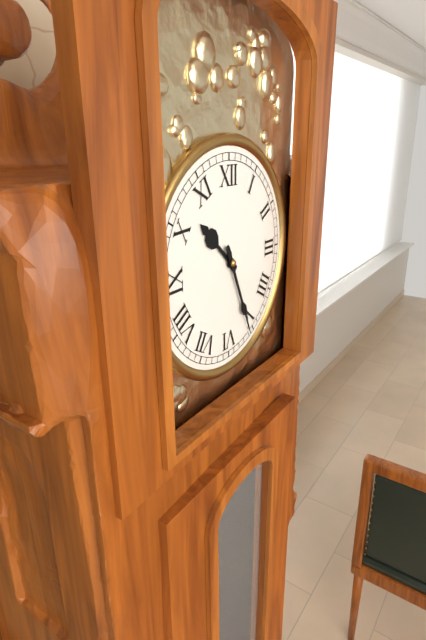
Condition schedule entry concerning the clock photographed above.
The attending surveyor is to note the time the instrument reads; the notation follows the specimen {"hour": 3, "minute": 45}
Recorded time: {"hour": 10, "minute": 26}
